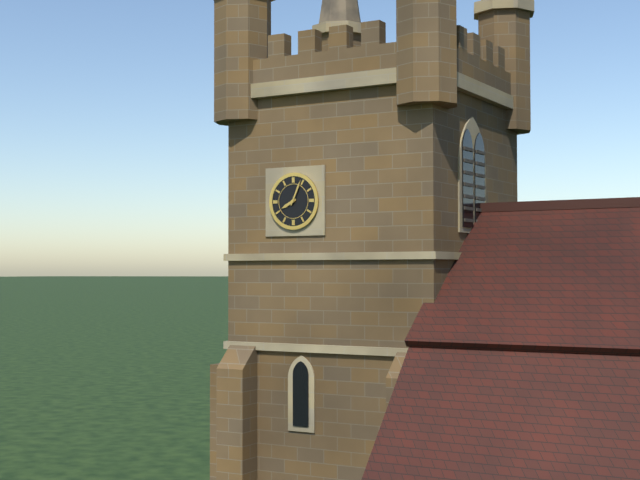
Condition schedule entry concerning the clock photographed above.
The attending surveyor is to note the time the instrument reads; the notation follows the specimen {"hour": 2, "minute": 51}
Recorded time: {"hour": 8, "minute": 4}
